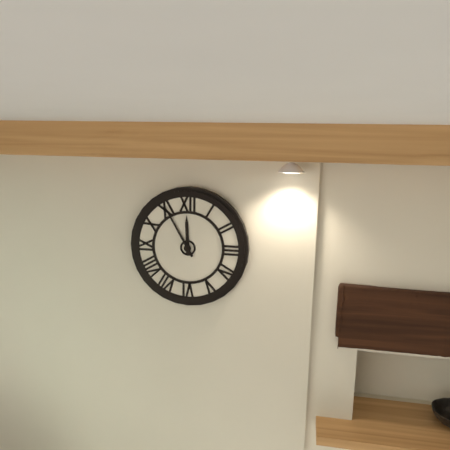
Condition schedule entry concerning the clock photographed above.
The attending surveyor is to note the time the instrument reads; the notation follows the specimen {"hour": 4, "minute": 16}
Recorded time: {"hour": 11, "minute": 55}
